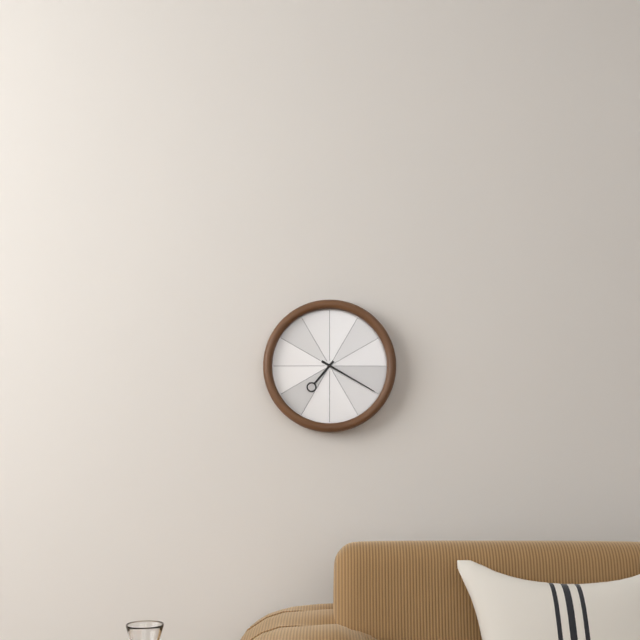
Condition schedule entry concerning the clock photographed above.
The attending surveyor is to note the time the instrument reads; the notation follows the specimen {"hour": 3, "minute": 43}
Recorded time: {"hour": 7, "minute": 20}
